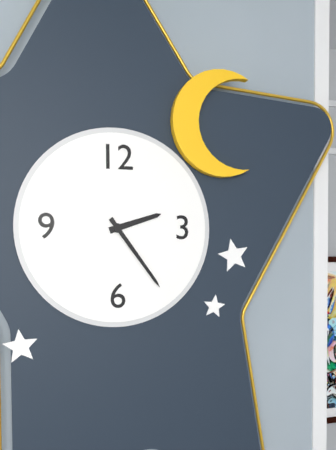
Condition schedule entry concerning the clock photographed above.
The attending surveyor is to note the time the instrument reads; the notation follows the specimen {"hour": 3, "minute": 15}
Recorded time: {"hour": 2, "minute": 24}
